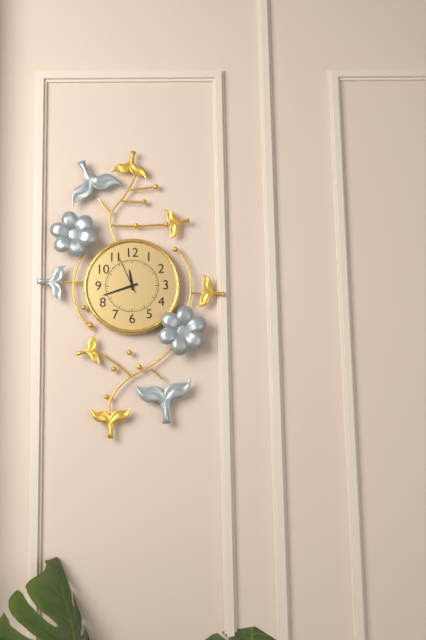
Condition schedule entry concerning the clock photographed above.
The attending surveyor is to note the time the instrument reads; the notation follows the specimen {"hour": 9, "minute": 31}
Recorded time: {"hour": 11, "minute": 42}
